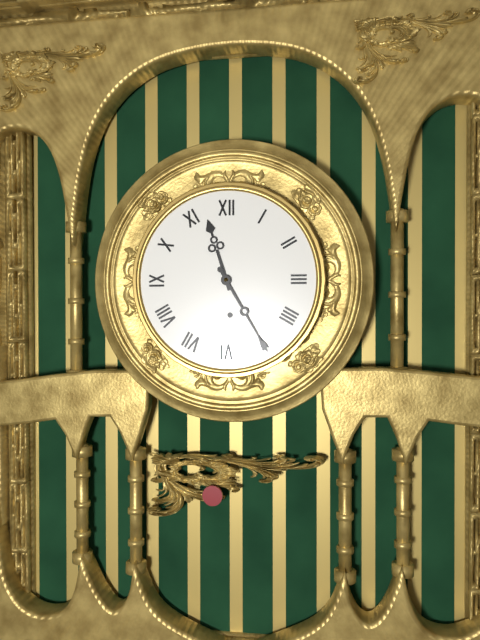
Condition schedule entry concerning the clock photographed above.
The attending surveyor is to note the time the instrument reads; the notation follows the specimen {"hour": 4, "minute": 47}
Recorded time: {"hour": 11, "minute": 25}
